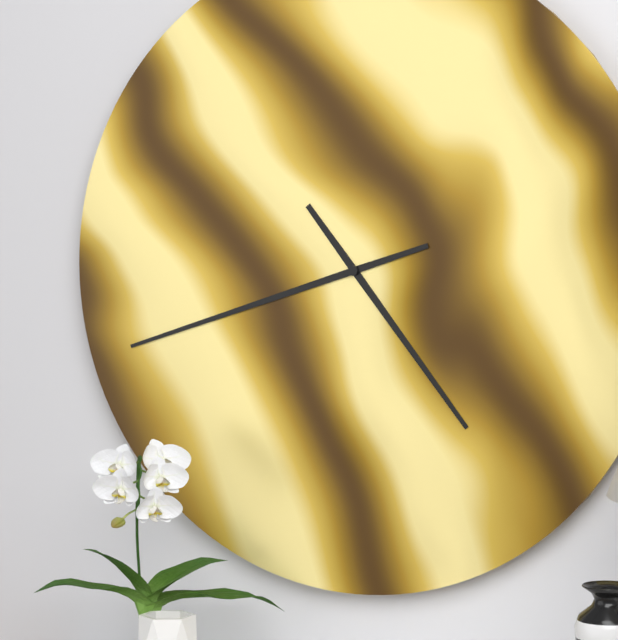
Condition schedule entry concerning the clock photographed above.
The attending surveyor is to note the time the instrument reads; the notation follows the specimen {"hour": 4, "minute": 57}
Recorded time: {"hour": 4, "minute": 42}
